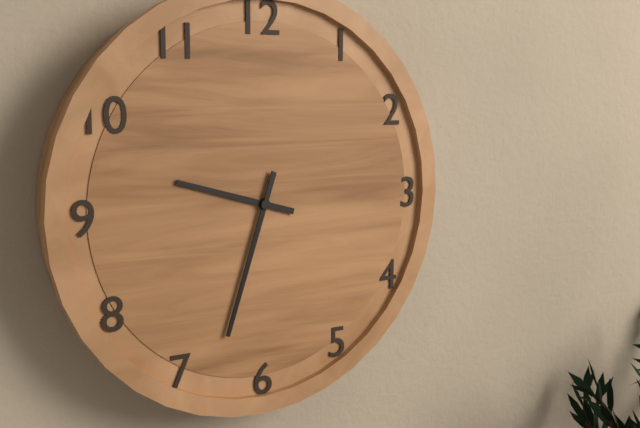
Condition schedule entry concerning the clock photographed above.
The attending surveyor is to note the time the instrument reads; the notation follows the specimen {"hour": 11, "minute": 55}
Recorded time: {"hour": 9, "minute": 33}
